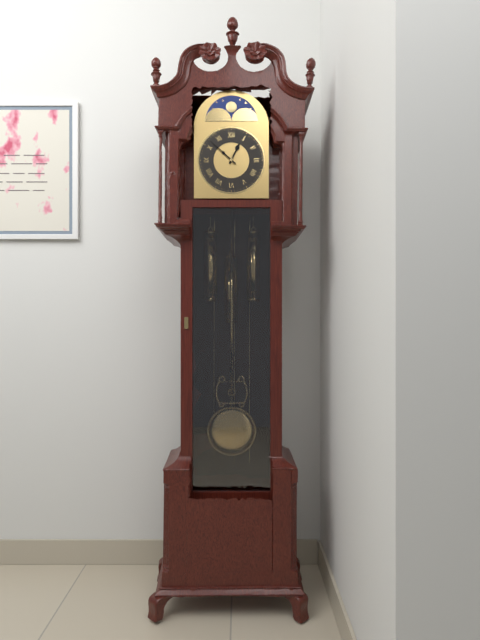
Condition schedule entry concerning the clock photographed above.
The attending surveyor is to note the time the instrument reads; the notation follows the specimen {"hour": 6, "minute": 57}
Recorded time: {"hour": 12, "minute": 52}
